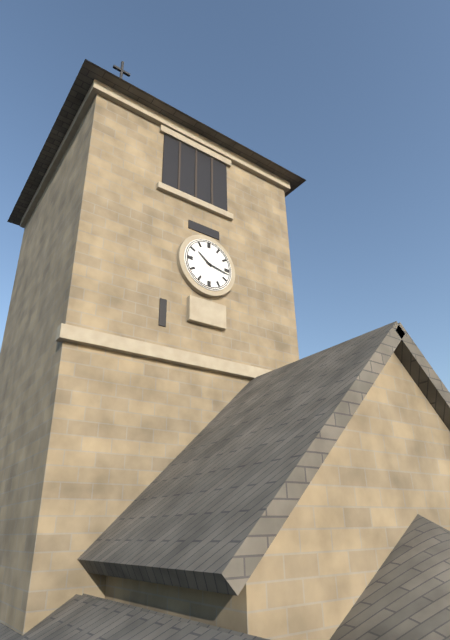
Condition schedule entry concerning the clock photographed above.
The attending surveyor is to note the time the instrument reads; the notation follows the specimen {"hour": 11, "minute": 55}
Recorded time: {"hour": 10, "minute": 17}
